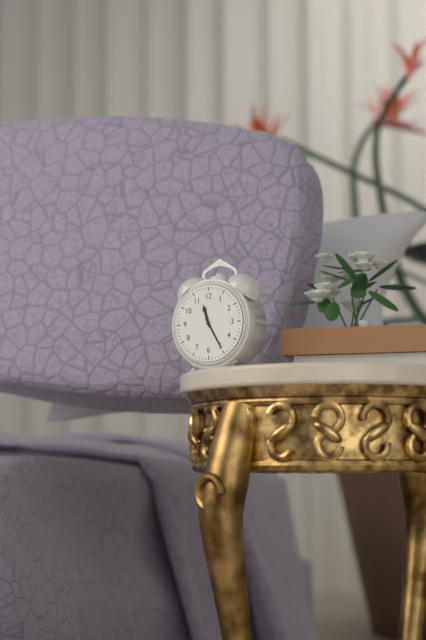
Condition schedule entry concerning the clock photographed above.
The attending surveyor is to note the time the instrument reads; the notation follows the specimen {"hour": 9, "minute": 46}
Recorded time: {"hour": 11, "minute": 25}
